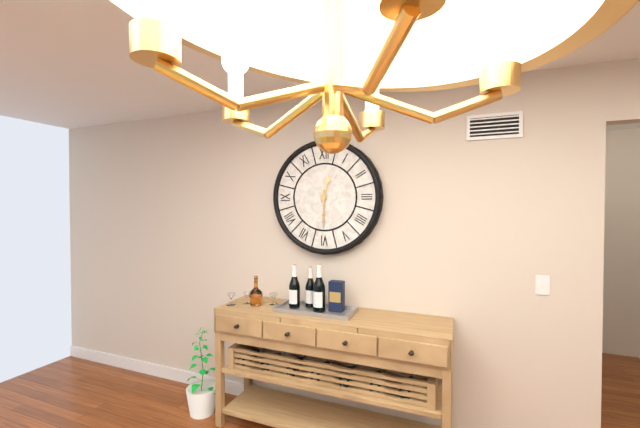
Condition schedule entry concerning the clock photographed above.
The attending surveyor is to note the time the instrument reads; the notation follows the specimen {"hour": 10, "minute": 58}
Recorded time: {"hour": 12, "minute": 30}
